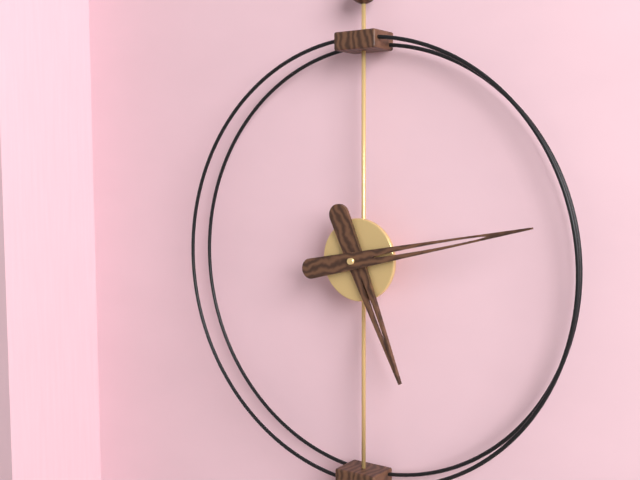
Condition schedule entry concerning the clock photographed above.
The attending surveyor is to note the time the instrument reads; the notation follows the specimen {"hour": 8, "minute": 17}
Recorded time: {"hour": 5, "minute": 13}
